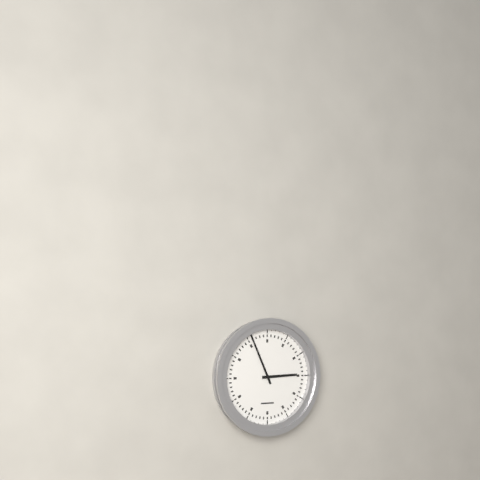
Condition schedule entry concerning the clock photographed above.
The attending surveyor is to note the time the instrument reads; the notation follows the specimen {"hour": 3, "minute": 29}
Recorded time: {"hour": 2, "minute": 56}
